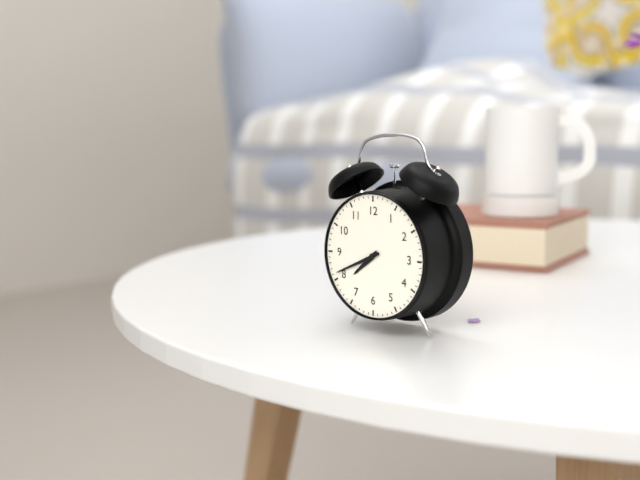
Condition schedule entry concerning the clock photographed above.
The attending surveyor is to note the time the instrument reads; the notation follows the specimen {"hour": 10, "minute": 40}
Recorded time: {"hour": 7, "minute": 41}
